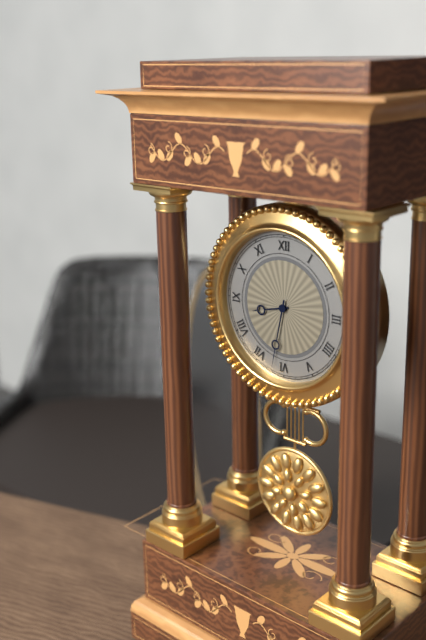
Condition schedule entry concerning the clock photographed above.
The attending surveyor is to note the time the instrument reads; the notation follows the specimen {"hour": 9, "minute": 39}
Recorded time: {"hour": 8, "minute": 32}
